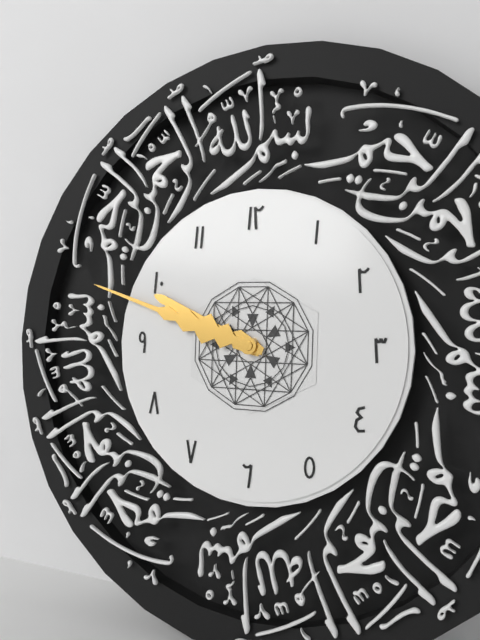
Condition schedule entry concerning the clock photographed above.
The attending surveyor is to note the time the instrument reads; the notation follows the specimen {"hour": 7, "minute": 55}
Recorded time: {"hour": 9, "minute": 48}
